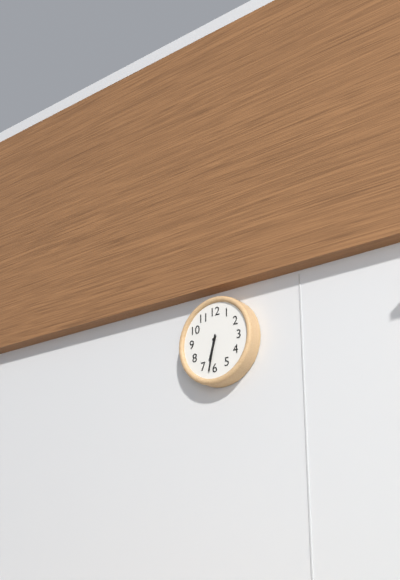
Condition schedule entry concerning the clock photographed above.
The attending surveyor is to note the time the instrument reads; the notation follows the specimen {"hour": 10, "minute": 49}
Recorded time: {"hour": 6, "minute": 32}
